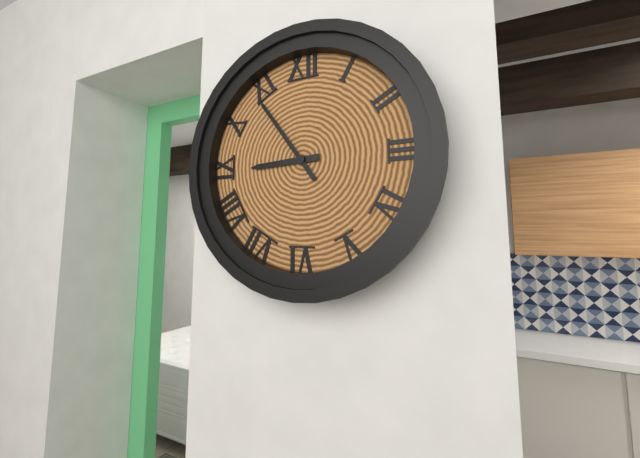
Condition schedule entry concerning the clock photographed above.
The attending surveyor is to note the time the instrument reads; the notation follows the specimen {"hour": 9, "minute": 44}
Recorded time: {"hour": 8, "minute": 54}
